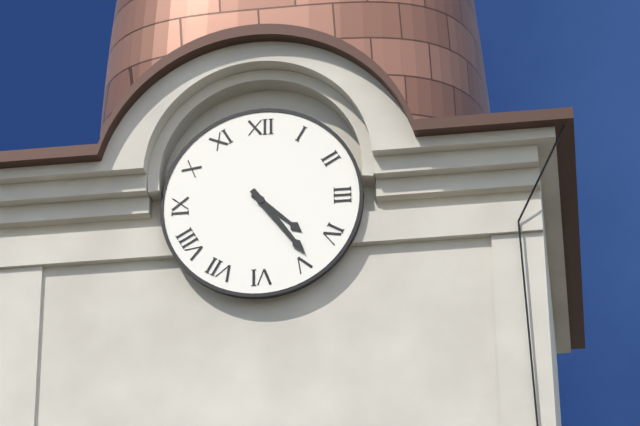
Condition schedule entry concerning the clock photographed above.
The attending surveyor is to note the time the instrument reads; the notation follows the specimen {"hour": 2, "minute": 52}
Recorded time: {"hour": 4, "minute": 24}
